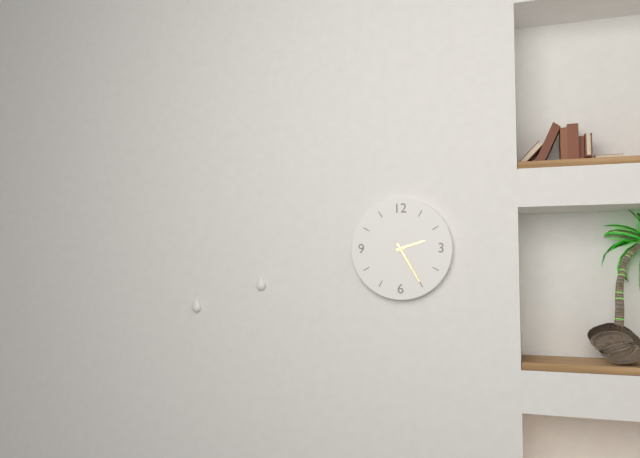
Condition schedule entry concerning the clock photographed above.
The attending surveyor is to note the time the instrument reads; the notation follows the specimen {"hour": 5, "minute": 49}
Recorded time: {"hour": 2, "minute": 25}
